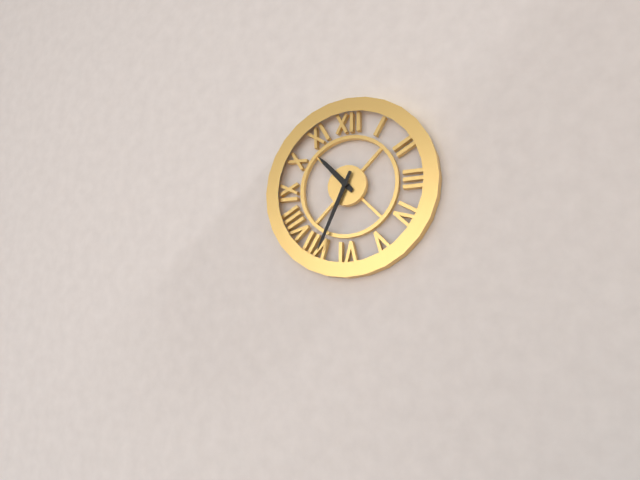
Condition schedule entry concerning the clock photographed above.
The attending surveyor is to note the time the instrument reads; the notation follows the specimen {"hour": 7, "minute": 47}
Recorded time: {"hour": 10, "minute": 34}
